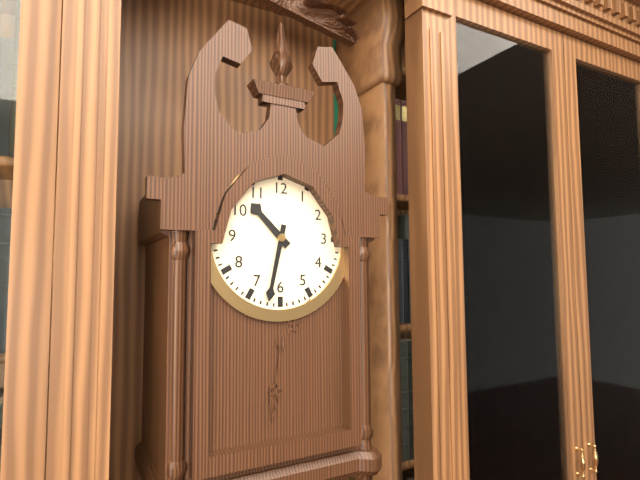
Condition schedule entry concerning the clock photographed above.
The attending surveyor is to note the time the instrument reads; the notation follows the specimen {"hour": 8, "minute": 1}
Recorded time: {"hour": 10, "minute": 32}
